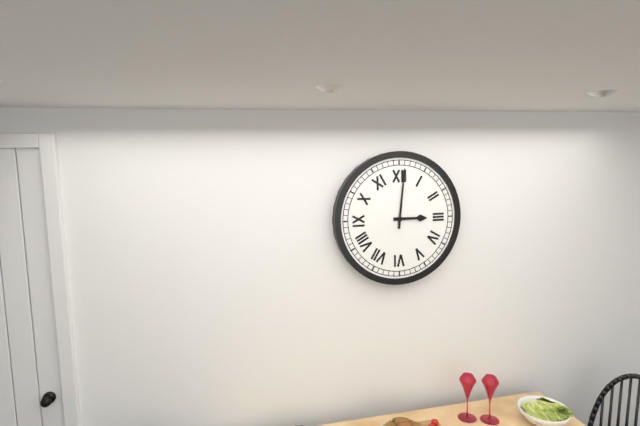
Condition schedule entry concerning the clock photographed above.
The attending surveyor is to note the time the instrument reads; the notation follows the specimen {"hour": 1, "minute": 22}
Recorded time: {"hour": 3, "minute": 1}
